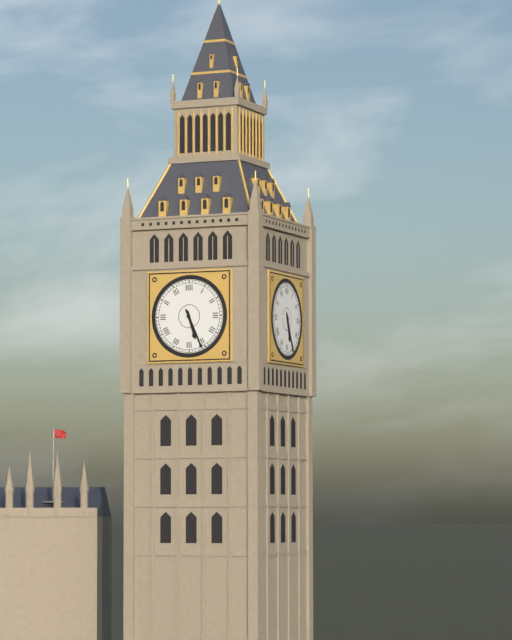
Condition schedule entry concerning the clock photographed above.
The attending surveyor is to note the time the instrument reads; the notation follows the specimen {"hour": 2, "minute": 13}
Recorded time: {"hour": 5, "minute": 26}
